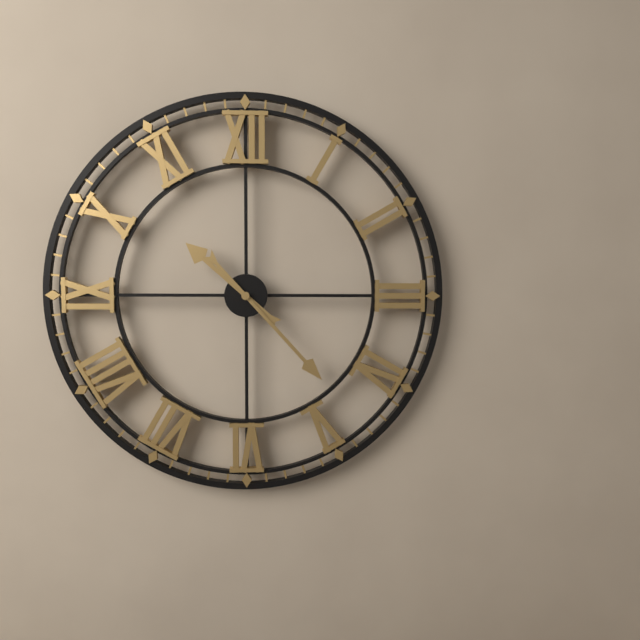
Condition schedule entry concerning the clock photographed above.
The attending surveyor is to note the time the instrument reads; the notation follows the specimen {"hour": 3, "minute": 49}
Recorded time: {"hour": 10, "minute": 23}
